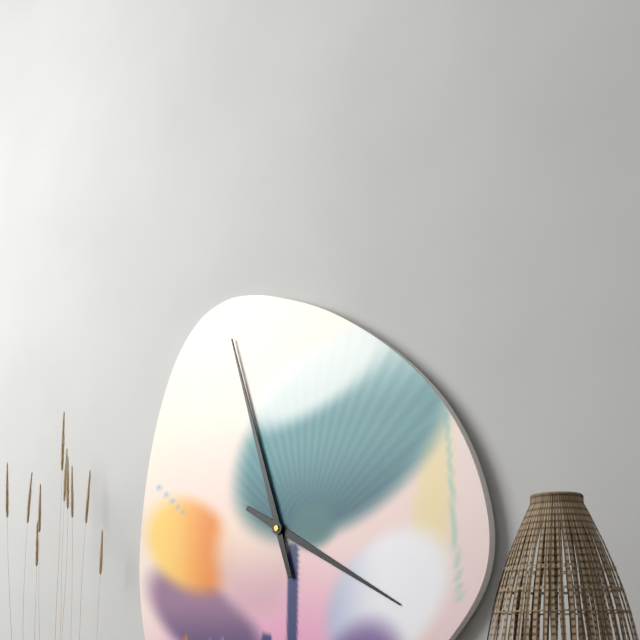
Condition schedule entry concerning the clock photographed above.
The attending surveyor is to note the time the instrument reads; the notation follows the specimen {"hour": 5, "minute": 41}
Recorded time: {"hour": 3, "minute": 57}
